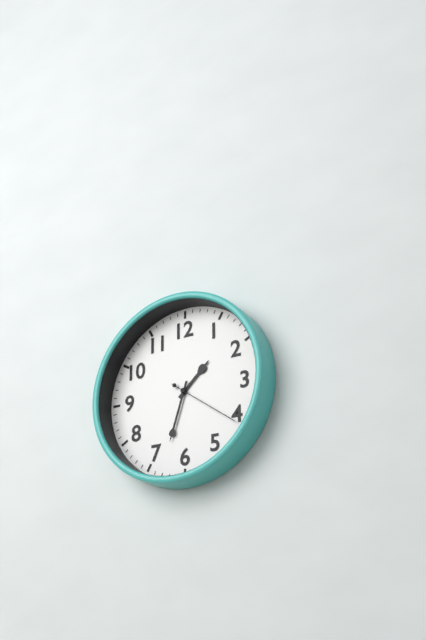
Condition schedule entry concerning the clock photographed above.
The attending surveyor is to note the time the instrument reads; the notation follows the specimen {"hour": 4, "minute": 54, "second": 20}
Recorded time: {"hour": 1, "minute": 33, "second": 21}
